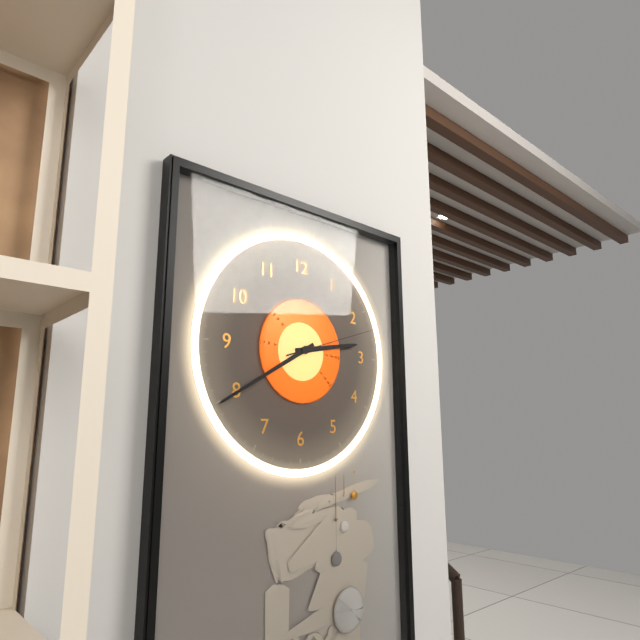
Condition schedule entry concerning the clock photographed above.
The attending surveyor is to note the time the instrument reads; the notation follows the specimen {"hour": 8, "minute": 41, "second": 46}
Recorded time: {"hour": 2, "minute": 40, "second": 12}
